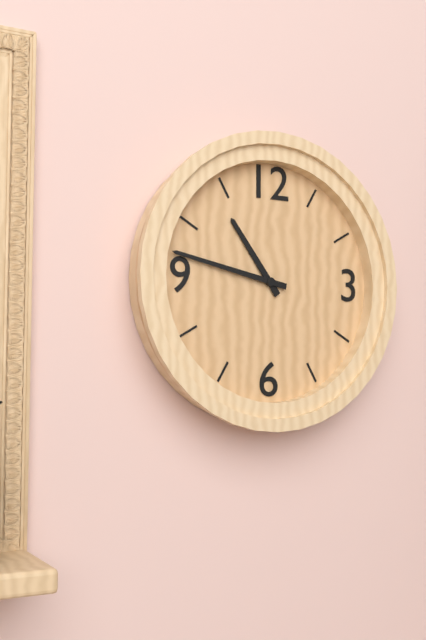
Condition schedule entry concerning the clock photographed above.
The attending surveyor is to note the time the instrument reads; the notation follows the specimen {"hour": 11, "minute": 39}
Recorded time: {"hour": 10, "minute": 47}
